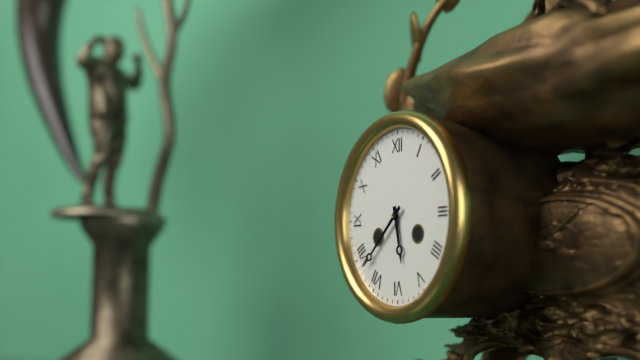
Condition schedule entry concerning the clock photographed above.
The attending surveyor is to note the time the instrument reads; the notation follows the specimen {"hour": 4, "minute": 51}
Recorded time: {"hour": 5, "minute": 38}
